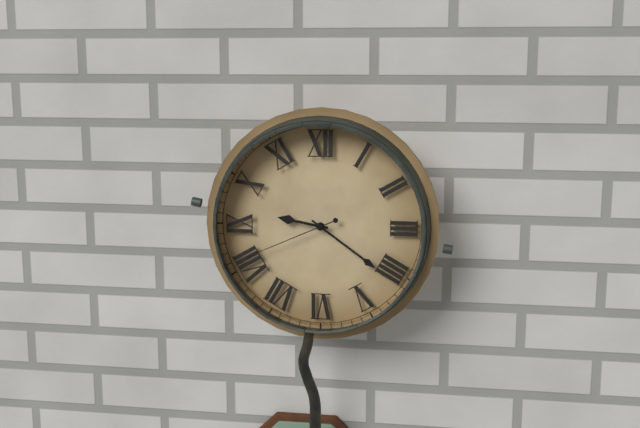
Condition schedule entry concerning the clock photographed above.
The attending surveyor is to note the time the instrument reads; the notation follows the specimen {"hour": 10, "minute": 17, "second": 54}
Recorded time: {"hour": 9, "minute": 21, "second": 41}
